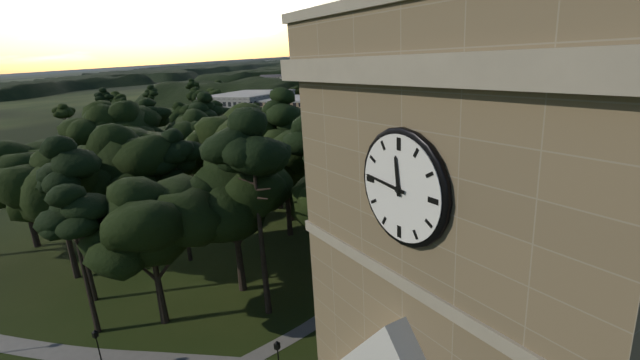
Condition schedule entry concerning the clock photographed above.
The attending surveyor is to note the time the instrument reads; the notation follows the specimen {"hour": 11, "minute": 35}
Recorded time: {"hour": 11, "minute": 46}
